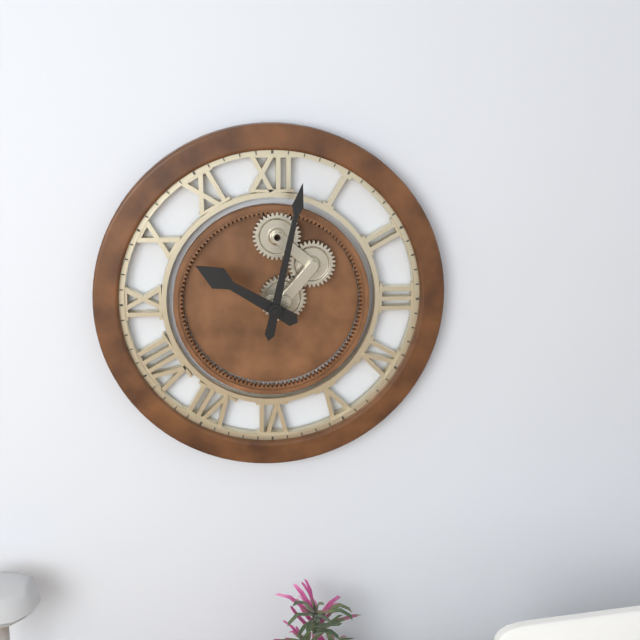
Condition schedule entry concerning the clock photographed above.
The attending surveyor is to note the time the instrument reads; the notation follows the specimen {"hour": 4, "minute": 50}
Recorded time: {"hour": 10, "minute": 2}
